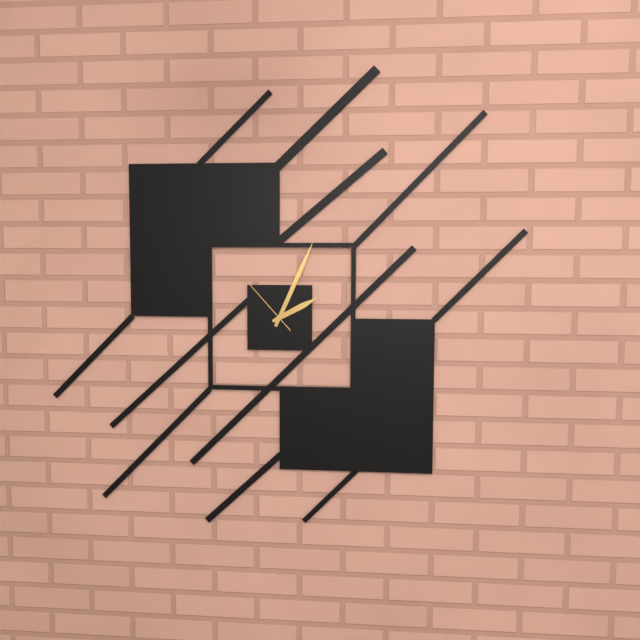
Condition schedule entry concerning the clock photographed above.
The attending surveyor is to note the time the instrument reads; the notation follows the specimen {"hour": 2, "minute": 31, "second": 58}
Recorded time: {"hour": 2, "minute": 4, "second": 53}
